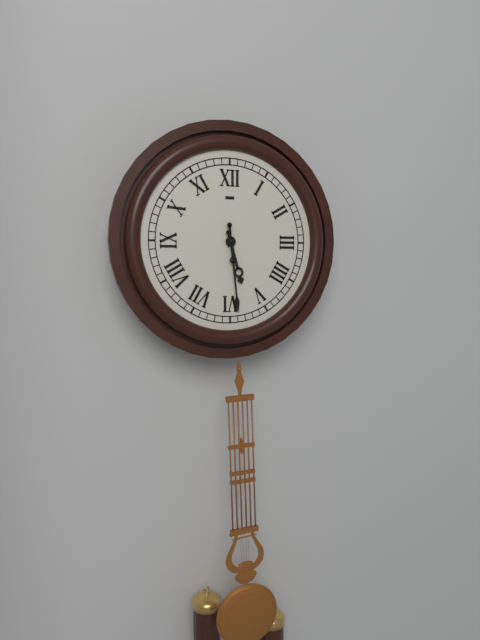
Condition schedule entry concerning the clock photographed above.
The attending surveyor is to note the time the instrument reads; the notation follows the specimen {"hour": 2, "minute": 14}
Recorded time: {"hour": 5, "minute": 29}
